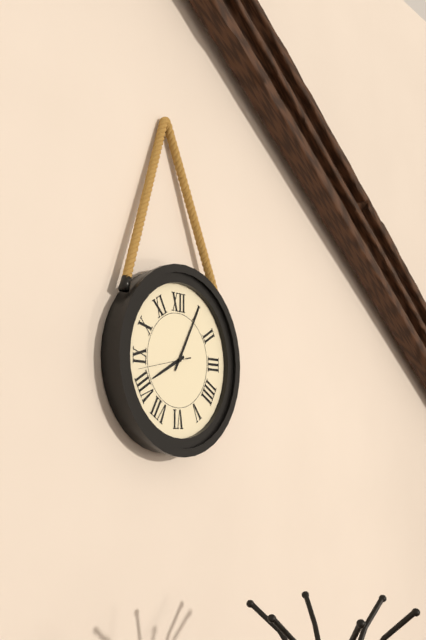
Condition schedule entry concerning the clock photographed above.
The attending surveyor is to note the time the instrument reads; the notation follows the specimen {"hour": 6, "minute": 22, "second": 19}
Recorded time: {"hour": 8, "minute": 5, "second": 43}
